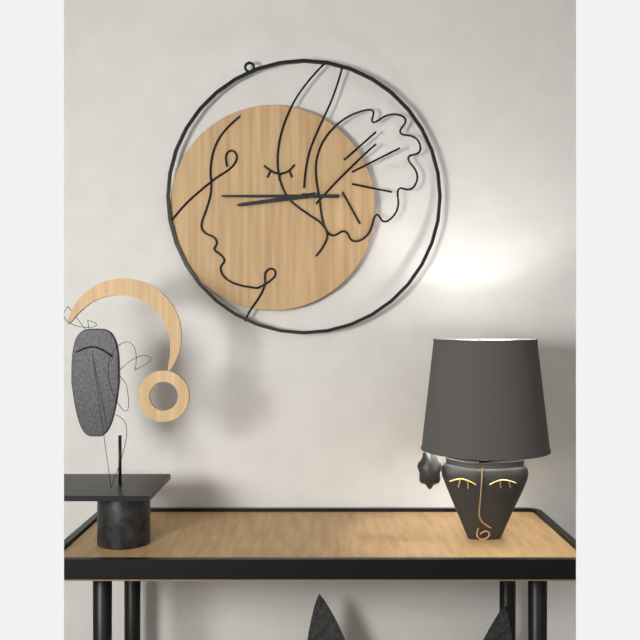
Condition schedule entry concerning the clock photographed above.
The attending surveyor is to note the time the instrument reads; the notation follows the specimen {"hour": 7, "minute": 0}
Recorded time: {"hour": 8, "minute": 45}
